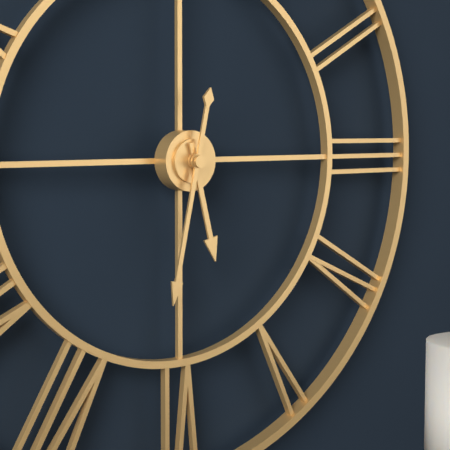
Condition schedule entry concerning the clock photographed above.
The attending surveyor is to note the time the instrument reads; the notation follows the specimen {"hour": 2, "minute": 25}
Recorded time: {"hour": 5, "minute": 32}
